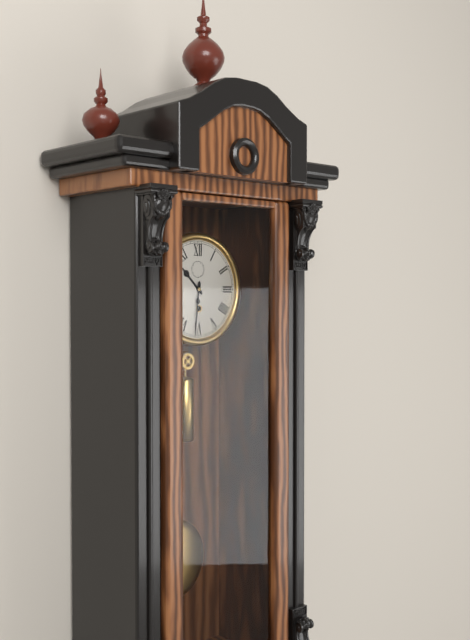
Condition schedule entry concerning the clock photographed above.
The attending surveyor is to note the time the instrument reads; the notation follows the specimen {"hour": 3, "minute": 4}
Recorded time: {"hour": 10, "minute": 31}
